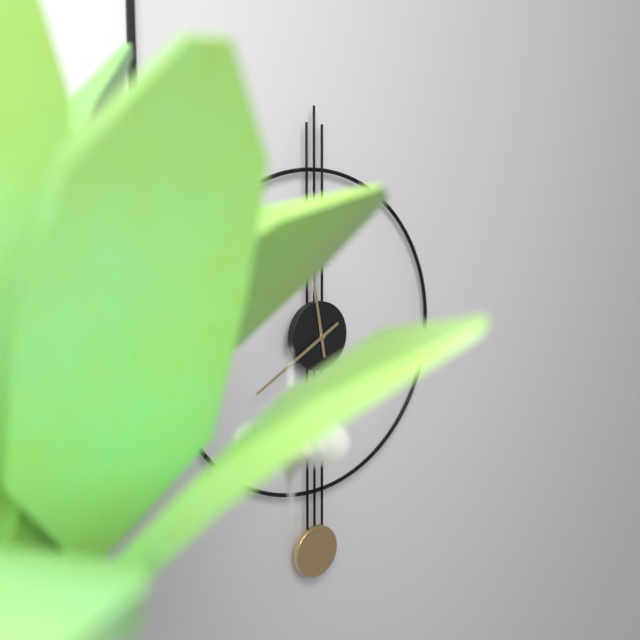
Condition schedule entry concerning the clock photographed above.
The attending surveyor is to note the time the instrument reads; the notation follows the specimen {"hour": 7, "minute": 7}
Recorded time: {"hour": 11, "minute": 40}
